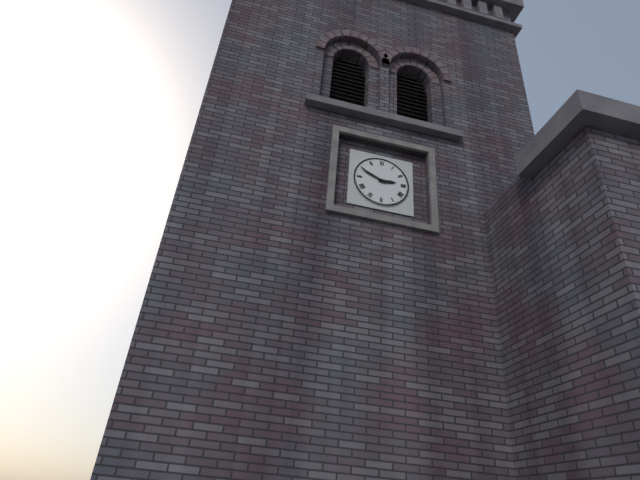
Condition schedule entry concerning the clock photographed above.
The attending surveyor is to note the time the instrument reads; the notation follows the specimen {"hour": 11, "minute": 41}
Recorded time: {"hour": 2, "minute": 49}
